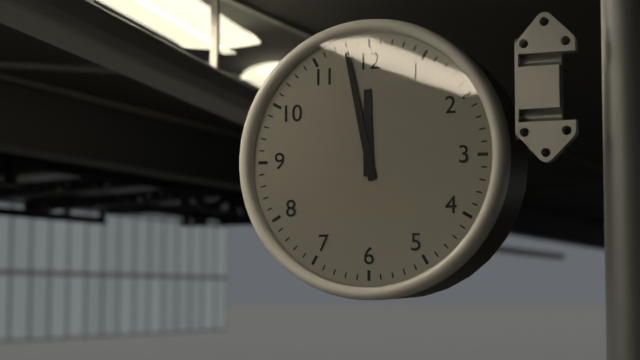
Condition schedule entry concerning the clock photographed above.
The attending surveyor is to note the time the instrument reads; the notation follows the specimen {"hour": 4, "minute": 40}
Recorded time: {"hour": 11, "minute": 58}
